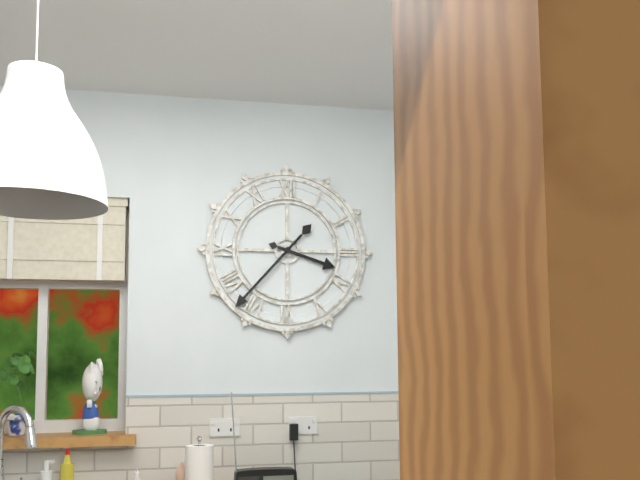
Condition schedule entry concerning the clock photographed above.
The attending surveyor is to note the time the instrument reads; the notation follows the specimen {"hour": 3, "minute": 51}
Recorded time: {"hour": 3, "minute": 37}
